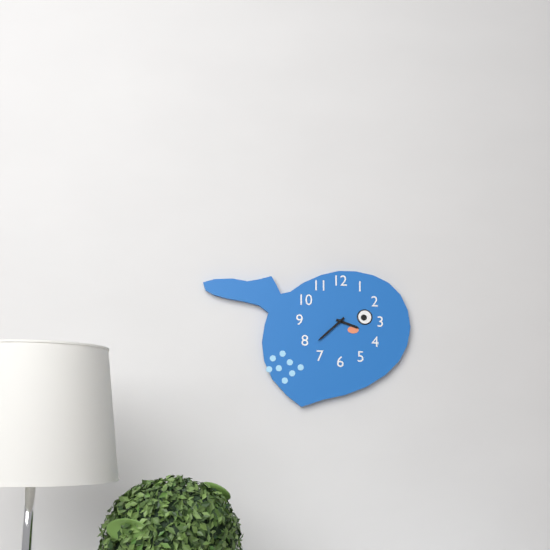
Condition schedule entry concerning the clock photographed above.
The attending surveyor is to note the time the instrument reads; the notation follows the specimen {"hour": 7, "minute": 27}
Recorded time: {"hour": 3, "minute": 38}
